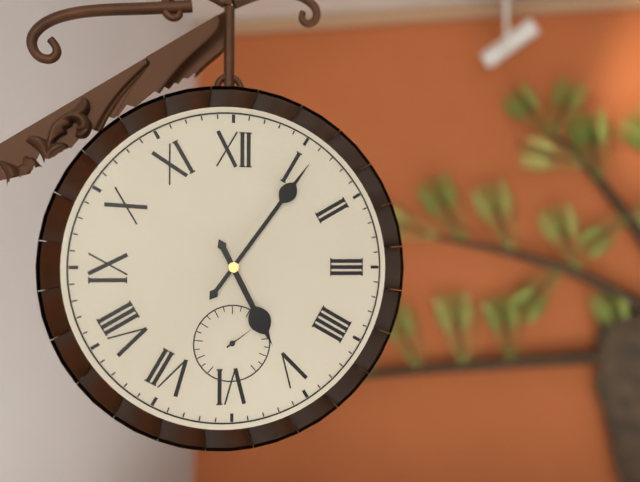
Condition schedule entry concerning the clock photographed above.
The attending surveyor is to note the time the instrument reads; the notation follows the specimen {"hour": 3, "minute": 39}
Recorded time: {"hour": 5, "minute": 6}
